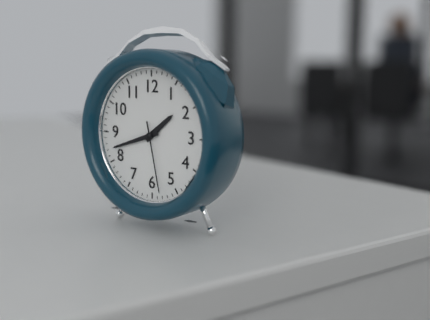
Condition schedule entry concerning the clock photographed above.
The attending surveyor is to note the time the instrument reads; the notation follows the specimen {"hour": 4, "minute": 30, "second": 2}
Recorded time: {"hour": 1, "minute": 42, "second": 28}
